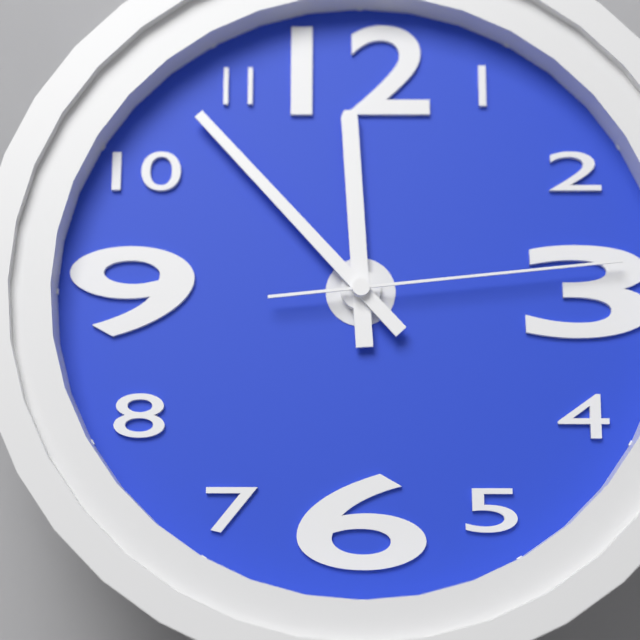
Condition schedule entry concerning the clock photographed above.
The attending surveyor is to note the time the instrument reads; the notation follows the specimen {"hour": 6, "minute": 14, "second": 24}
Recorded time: {"hour": 11, "minute": 53, "second": 14}
